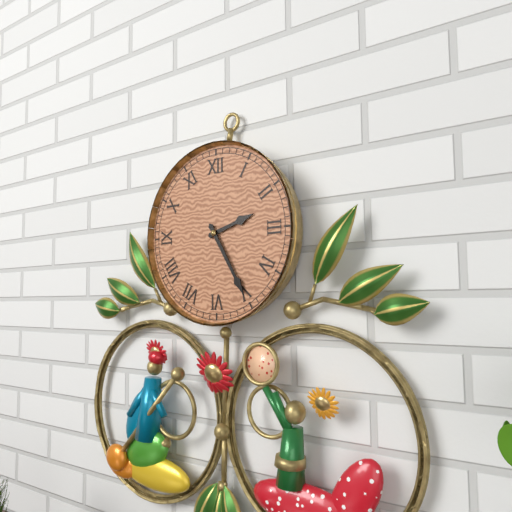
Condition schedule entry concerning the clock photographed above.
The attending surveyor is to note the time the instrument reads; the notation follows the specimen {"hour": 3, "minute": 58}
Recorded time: {"hour": 2, "minute": 25}
